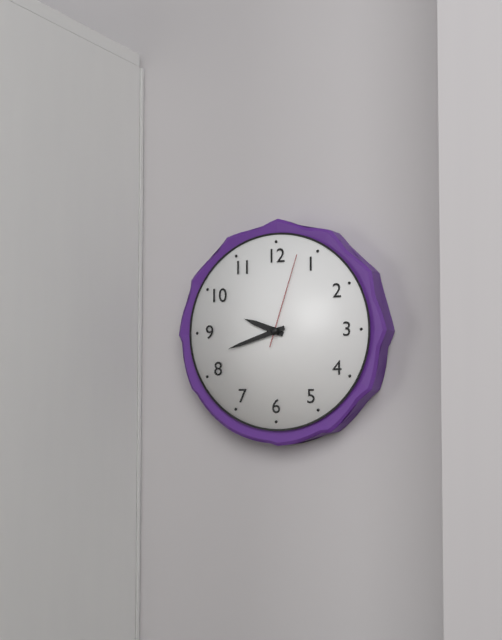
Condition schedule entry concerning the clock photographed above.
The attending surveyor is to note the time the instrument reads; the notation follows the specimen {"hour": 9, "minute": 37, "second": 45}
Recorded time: {"hour": 9, "minute": 42, "second": 3}
